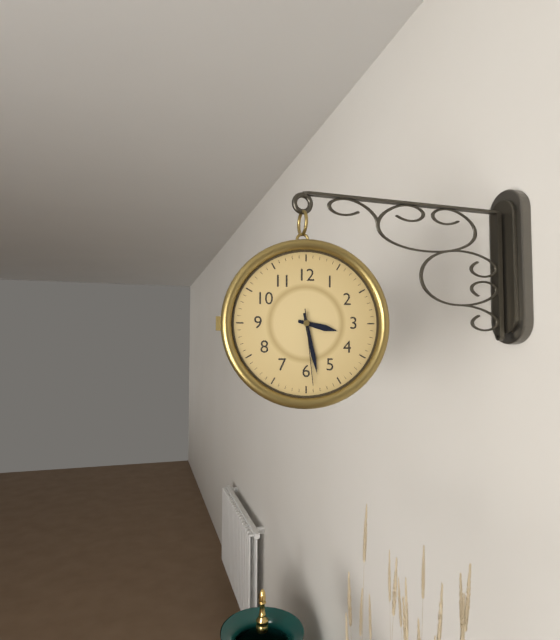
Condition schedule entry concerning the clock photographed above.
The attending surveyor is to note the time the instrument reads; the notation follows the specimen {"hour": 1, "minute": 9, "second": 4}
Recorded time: {"hour": 3, "minute": 28, "second": 29}
